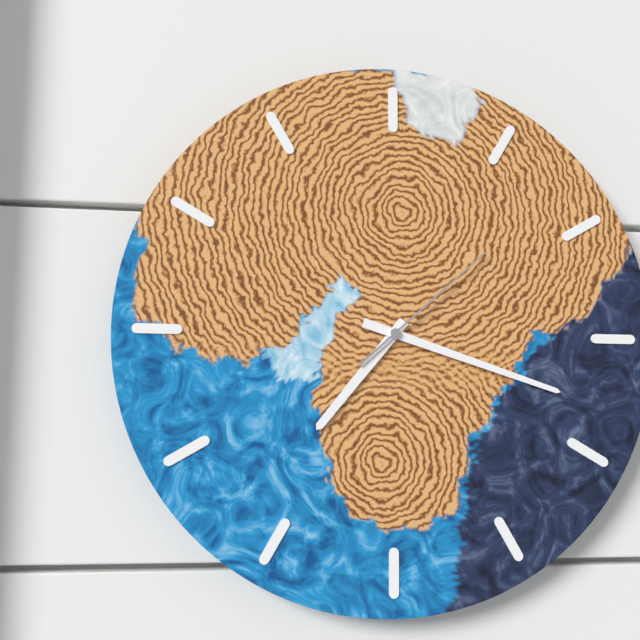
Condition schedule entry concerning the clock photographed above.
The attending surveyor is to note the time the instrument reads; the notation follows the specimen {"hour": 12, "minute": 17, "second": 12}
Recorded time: {"hour": 7, "minute": 18, "second": 8}
